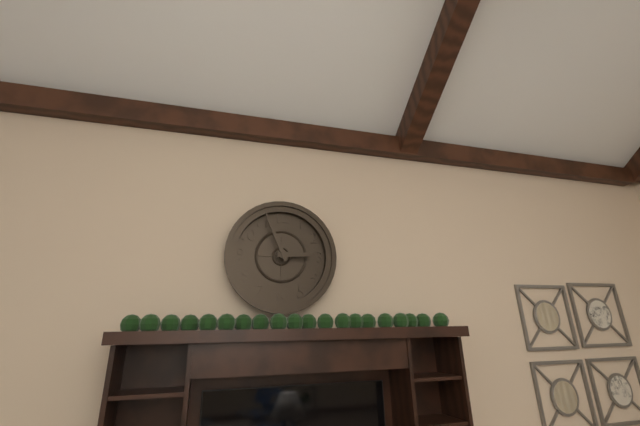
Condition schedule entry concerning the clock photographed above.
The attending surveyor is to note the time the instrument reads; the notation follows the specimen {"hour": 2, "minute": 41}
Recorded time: {"hour": 2, "minute": 56}
